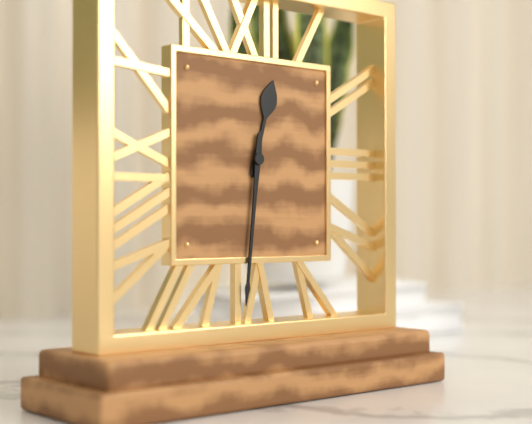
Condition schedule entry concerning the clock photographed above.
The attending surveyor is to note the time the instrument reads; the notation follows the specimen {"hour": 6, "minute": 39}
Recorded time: {"hour": 12, "minute": 31}
